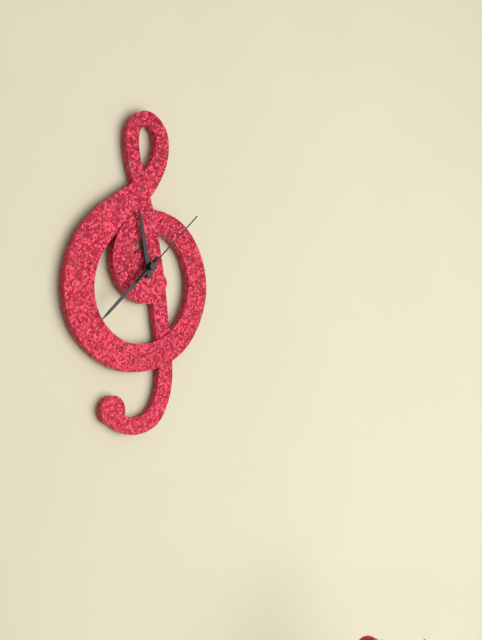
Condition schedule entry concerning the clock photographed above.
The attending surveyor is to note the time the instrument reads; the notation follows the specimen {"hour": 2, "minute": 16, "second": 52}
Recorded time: {"hour": 11, "minute": 38, "second": 8}
